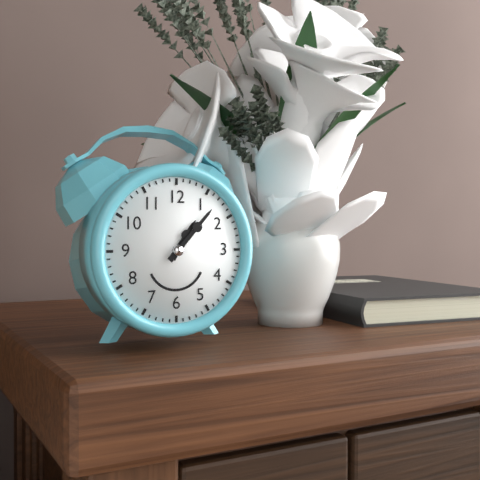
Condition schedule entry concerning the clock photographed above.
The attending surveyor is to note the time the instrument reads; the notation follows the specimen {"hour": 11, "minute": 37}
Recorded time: {"hour": 1, "minute": 7}
